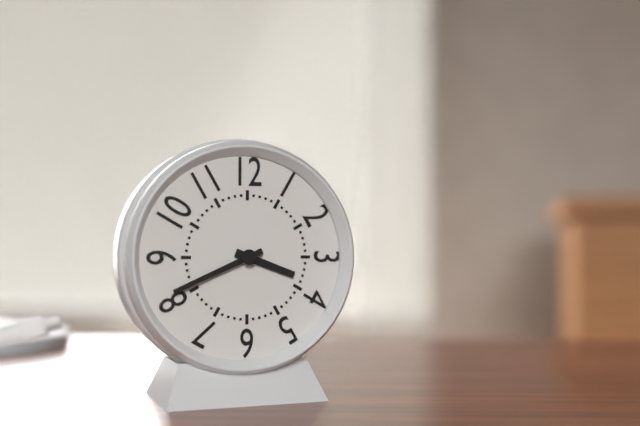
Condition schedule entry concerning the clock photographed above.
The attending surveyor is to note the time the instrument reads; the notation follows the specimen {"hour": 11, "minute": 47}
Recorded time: {"hour": 3, "minute": 41}
